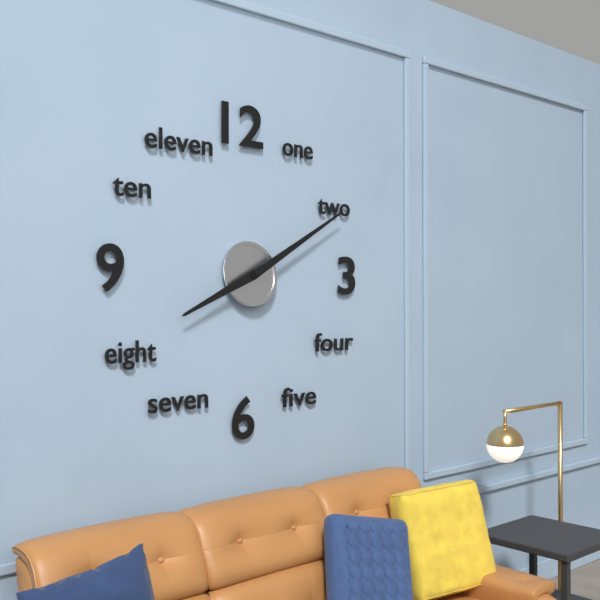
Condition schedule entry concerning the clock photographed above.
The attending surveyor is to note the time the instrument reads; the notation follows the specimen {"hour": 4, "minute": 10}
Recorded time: {"hour": 8, "minute": 10}
